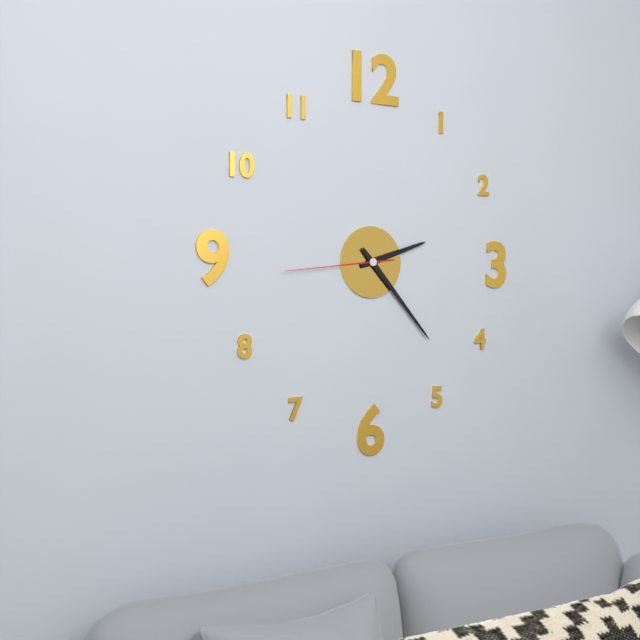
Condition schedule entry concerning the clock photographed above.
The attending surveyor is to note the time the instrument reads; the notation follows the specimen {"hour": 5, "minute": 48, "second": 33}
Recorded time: {"hour": 2, "minute": 23, "second": 44}
